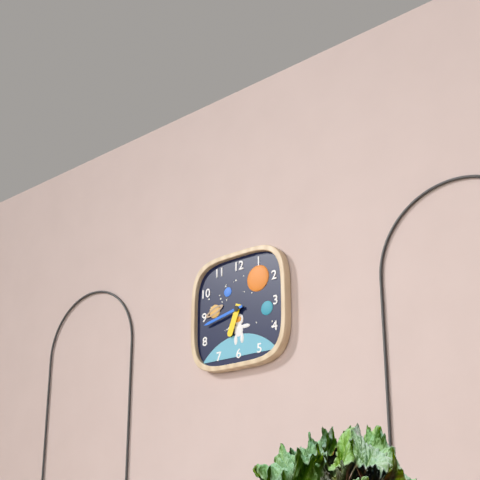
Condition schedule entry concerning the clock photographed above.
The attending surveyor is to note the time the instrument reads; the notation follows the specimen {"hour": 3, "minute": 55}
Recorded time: {"hour": 6, "minute": 43}
